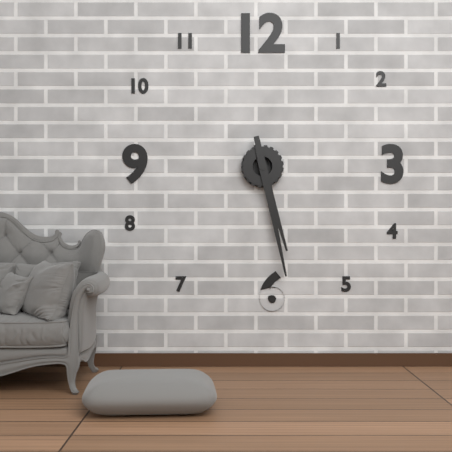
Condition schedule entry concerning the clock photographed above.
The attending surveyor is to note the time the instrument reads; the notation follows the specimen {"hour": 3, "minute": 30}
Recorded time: {"hour": 5, "minute": 28}
